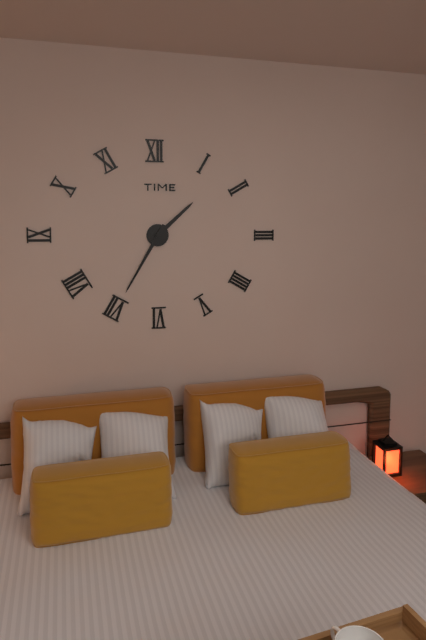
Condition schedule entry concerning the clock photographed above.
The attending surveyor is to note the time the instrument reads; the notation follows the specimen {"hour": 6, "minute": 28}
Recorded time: {"hour": 1, "minute": 35}
